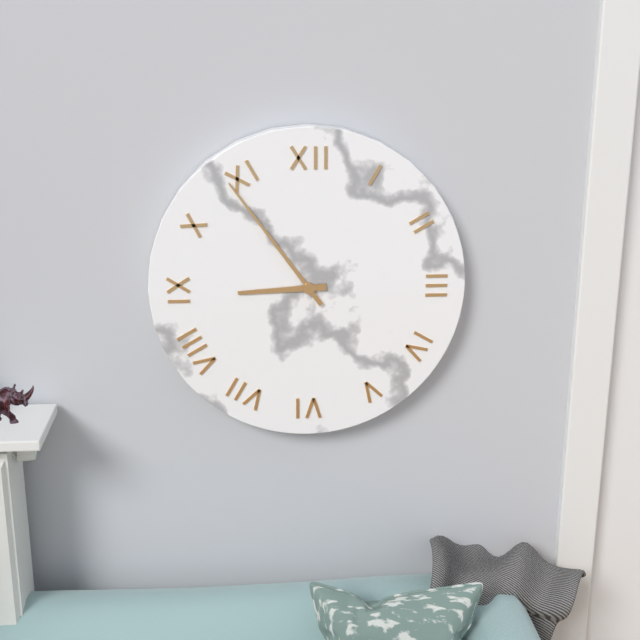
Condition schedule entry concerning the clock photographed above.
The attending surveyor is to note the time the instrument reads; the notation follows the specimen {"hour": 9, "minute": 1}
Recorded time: {"hour": 8, "minute": 54}
